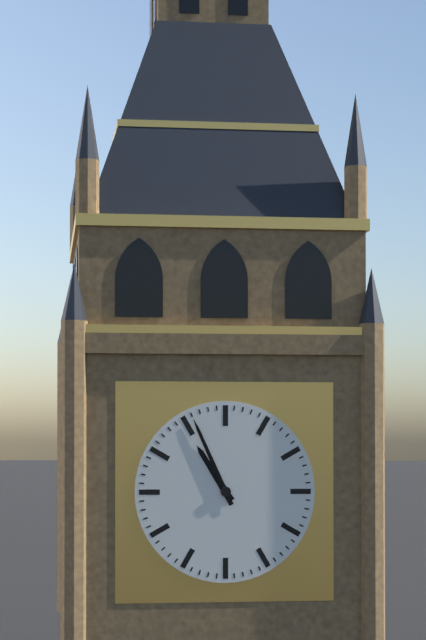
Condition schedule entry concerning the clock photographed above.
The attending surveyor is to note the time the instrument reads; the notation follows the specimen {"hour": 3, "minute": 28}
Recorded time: {"hour": 10, "minute": 56}
